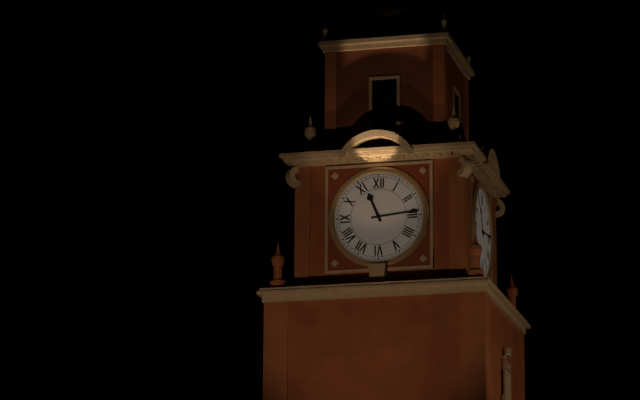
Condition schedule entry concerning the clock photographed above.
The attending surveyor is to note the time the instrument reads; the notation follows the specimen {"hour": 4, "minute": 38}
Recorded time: {"hour": 11, "minute": 14}
